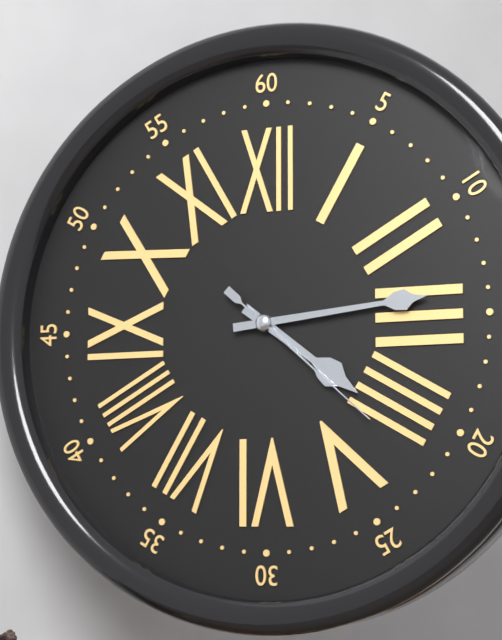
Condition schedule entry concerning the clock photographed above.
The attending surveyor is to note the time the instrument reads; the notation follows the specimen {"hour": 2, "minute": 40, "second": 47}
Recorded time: {"hour": 4, "minute": 14, "second": 22}
